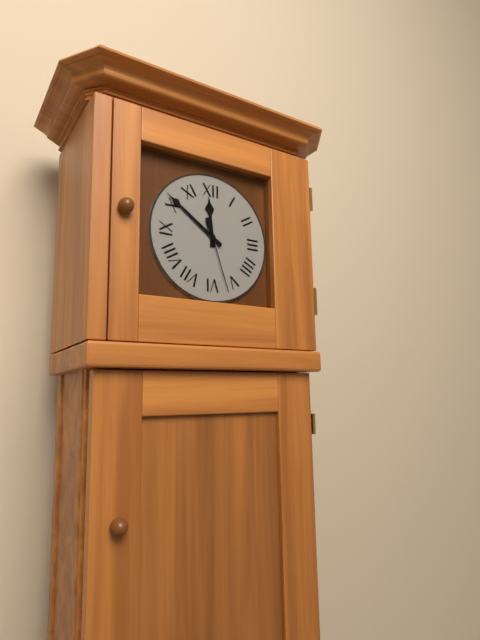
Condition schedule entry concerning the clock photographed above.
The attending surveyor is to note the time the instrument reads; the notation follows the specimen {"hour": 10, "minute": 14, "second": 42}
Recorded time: {"hour": 11, "minute": 51, "second": 27}
